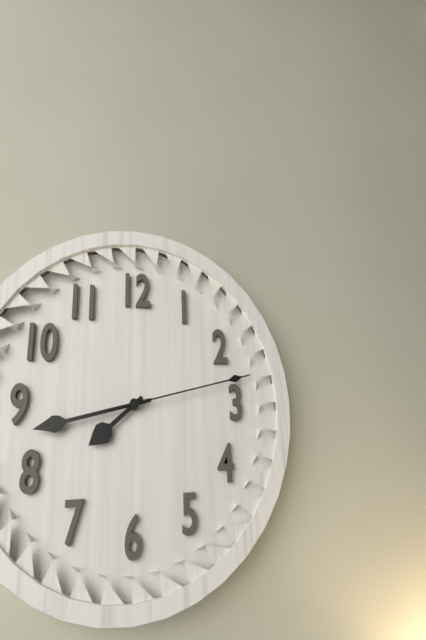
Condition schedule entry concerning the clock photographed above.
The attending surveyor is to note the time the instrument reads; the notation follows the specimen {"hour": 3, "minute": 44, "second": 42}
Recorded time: {"hour": 7, "minute": 43, "second": 13}
